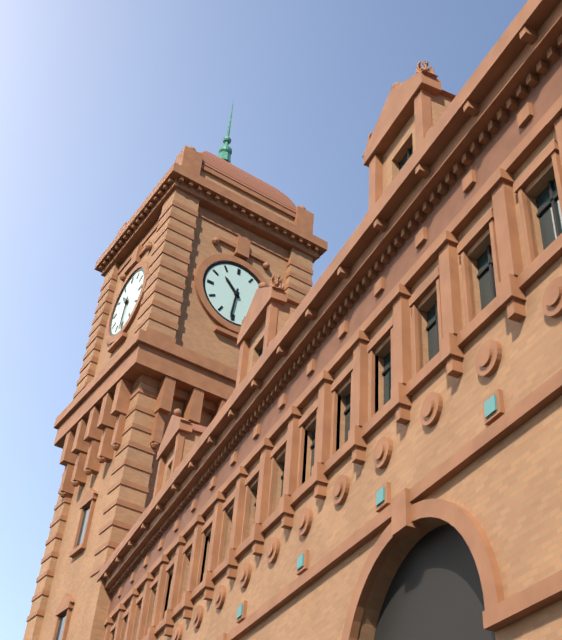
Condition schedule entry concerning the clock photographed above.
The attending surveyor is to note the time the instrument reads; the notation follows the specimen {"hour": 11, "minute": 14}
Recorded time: {"hour": 10, "minute": 31}
